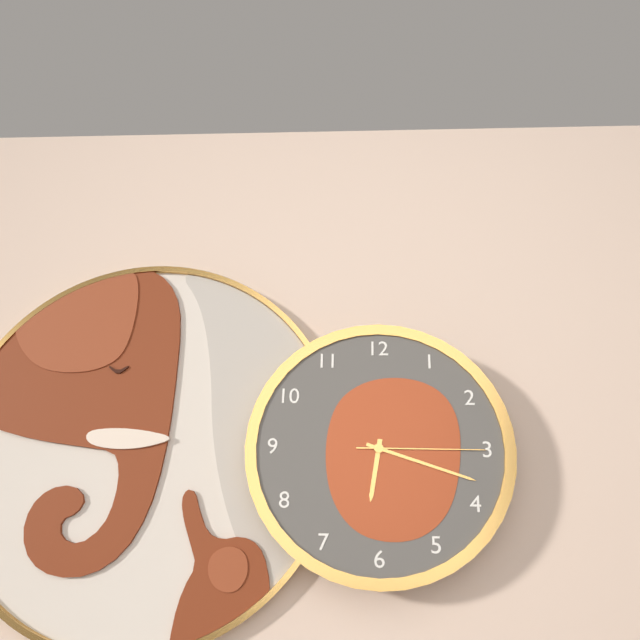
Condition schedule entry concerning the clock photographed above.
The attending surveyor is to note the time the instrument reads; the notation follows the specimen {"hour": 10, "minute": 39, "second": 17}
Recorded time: {"hour": 6, "minute": 18, "second": 15}
